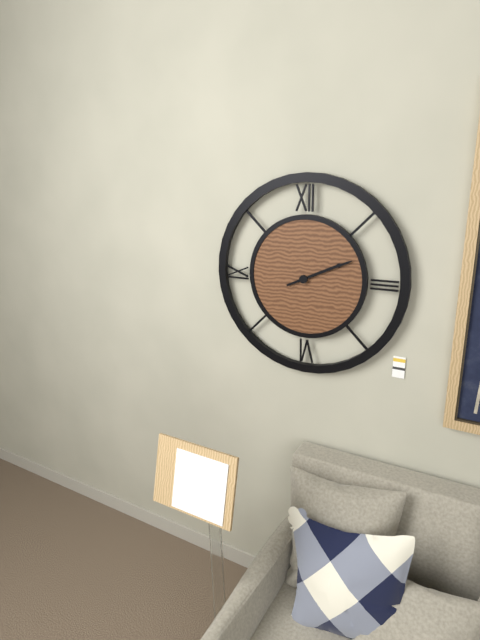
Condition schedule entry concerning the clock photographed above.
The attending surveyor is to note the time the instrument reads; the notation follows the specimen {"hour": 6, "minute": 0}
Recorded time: {"hour": 2, "minute": 11}
